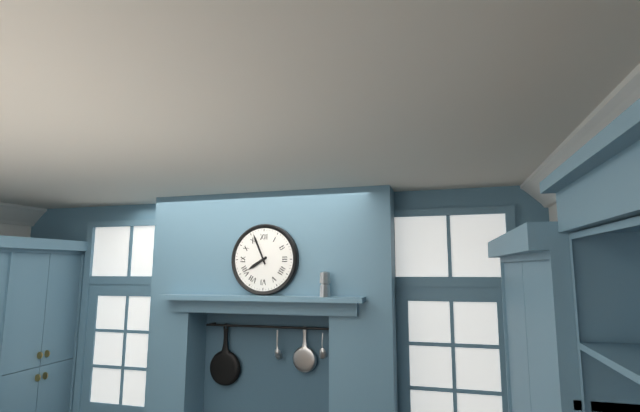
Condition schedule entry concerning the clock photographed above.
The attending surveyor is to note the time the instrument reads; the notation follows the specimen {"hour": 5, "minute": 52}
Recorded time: {"hour": 7, "minute": 56}
